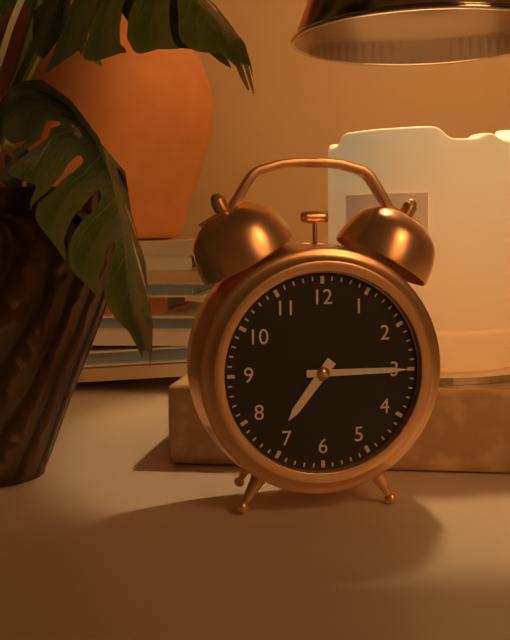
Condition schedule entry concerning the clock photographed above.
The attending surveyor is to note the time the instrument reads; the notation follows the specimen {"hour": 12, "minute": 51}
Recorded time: {"hour": 7, "minute": 15}
